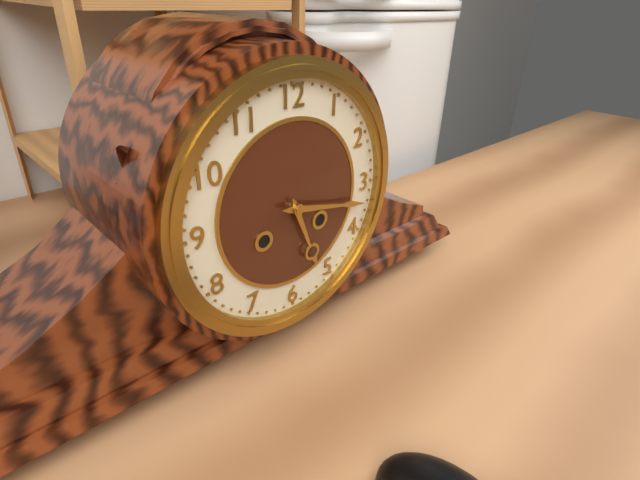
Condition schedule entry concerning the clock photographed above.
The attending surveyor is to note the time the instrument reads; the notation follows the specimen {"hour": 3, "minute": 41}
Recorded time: {"hour": 5, "minute": 17}
